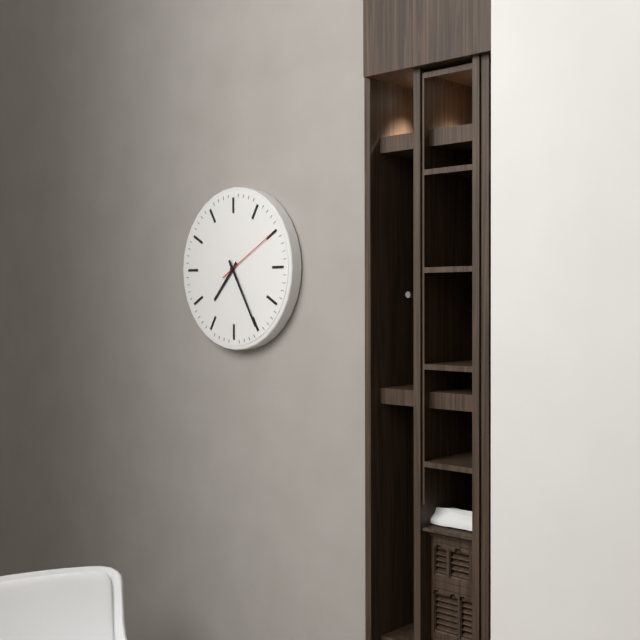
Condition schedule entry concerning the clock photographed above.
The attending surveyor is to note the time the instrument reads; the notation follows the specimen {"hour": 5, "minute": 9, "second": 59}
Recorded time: {"hour": 7, "minute": 25, "second": 10}
